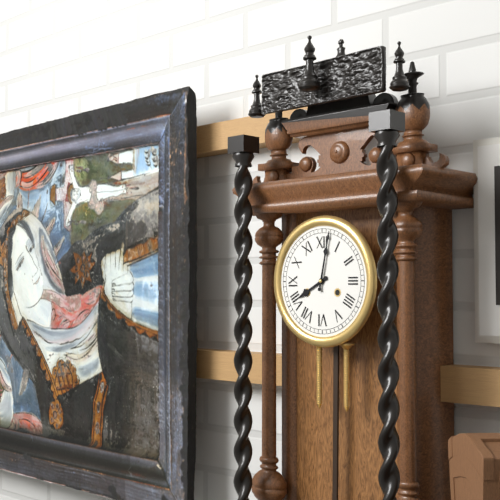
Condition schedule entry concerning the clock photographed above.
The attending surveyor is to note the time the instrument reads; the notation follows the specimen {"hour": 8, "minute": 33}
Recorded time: {"hour": 8, "minute": 2}
